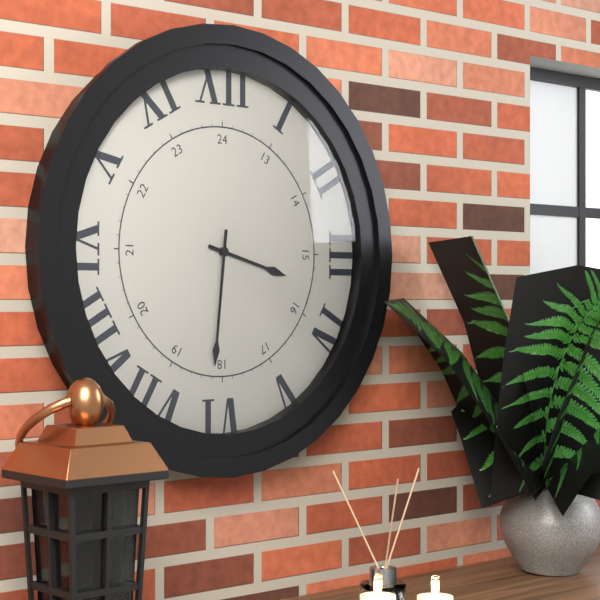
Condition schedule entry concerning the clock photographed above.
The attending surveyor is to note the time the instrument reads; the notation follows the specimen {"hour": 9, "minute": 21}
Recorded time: {"hour": 3, "minute": 31}
